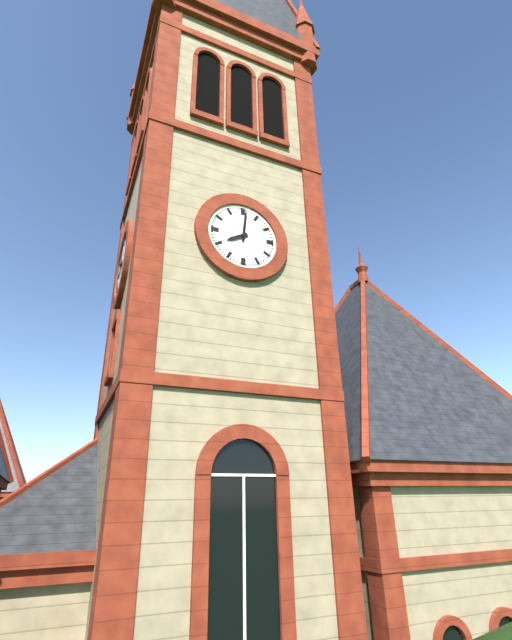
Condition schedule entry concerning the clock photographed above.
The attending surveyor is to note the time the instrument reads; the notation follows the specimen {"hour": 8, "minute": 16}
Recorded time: {"hour": 8, "minute": 1}
